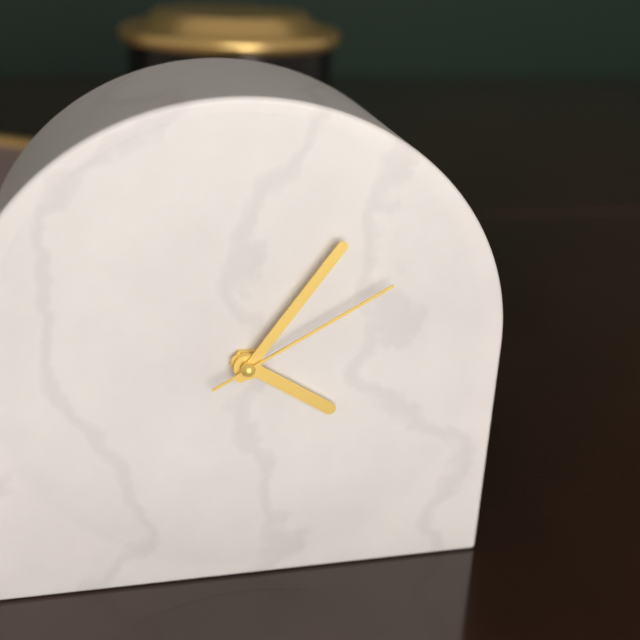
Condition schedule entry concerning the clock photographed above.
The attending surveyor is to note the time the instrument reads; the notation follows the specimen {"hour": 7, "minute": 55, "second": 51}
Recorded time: {"hour": 4, "minute": 6, "second": 10}
